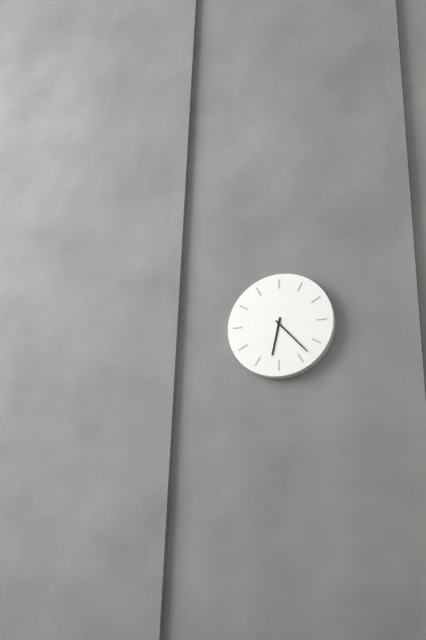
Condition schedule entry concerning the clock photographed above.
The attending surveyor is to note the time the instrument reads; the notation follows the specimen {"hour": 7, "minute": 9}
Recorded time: {"hour": 6, "minute": 23}
